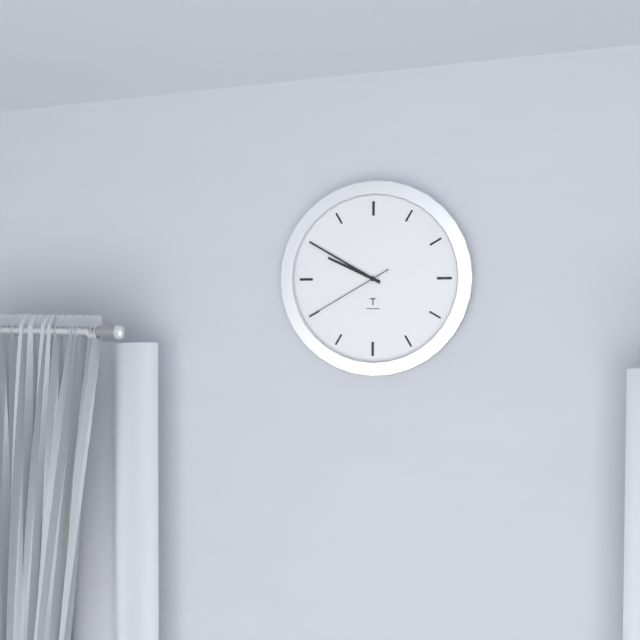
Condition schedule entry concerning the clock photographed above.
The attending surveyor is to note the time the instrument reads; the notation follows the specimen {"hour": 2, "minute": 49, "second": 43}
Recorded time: {"hour": 9, "minute": 50, "second": 40}
